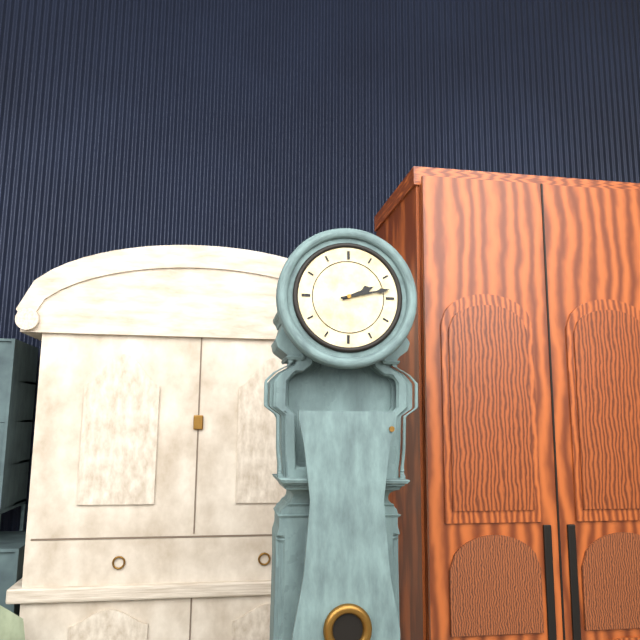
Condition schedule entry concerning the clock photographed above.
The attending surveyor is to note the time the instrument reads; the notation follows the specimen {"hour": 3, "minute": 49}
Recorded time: {"hour": 2, "minute": 13}
